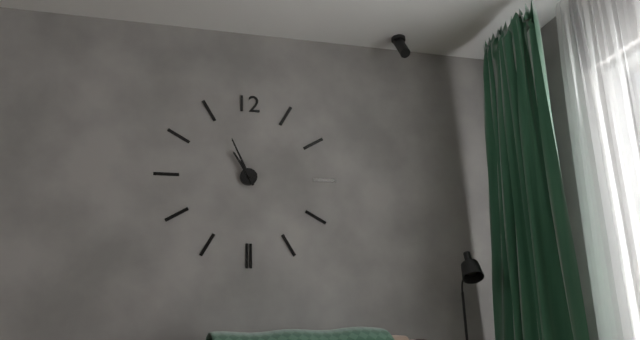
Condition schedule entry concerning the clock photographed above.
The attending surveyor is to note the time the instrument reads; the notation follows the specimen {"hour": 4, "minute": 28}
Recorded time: {"hour": 10, "minute": 56}
